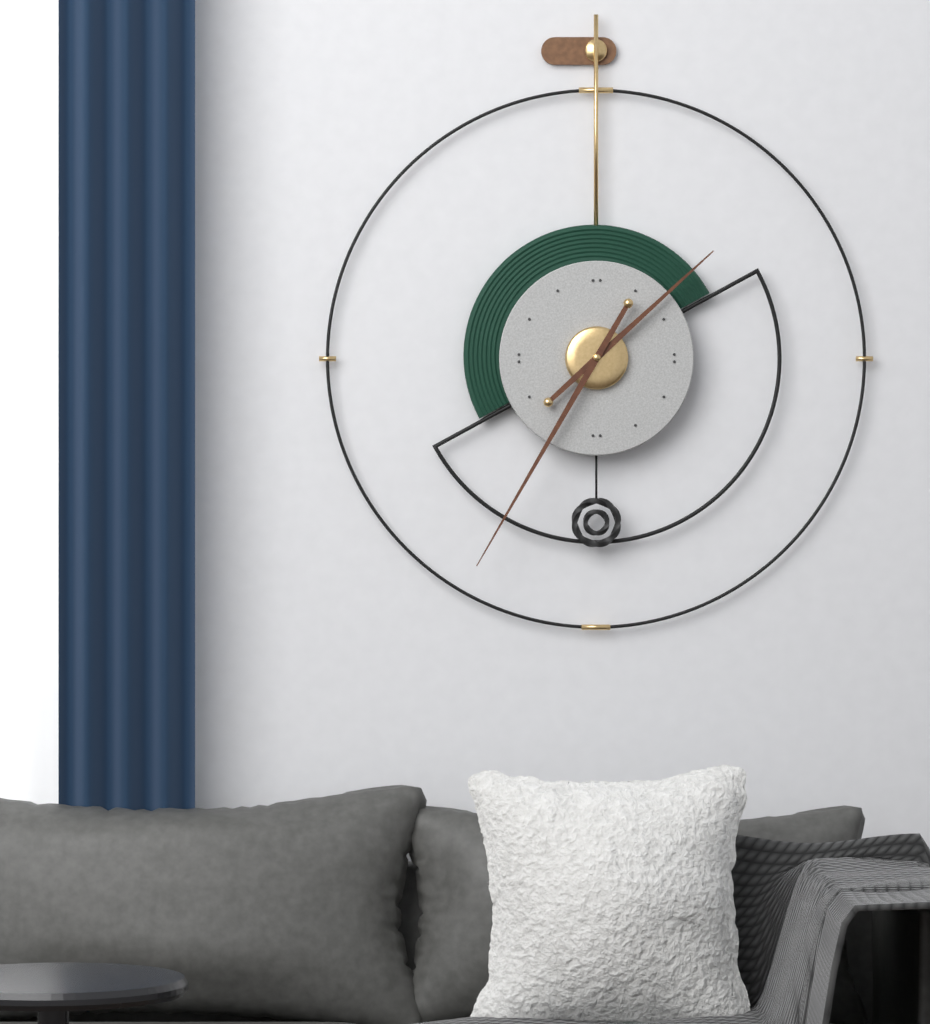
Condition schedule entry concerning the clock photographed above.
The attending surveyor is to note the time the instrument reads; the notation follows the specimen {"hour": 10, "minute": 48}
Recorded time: {"hour": 1, "minute": 35}
